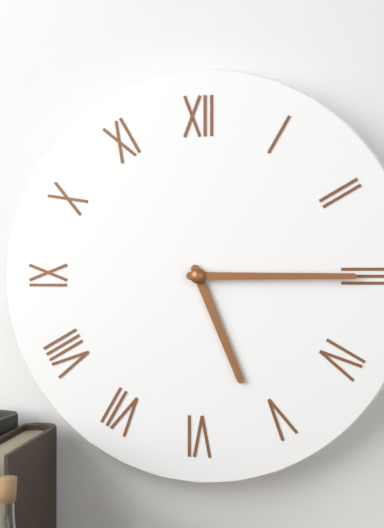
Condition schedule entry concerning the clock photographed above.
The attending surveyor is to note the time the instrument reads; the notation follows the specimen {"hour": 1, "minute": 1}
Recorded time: {"hour": 5, "minute": 15}
